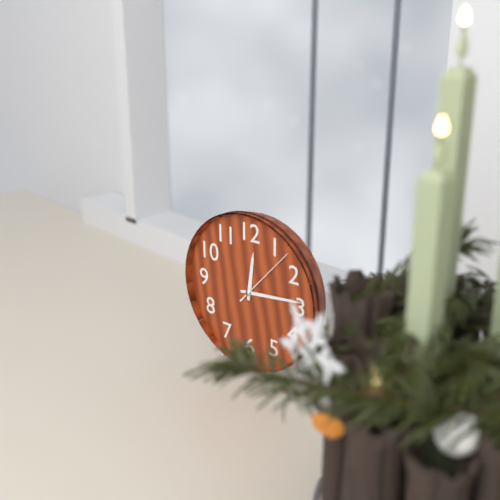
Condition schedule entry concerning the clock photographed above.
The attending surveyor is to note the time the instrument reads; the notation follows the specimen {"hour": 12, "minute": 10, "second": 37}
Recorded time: {"hour": 12, "minute": 14, "second": 7}
